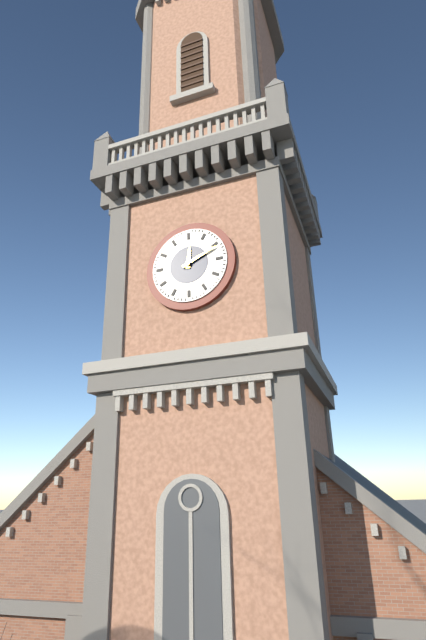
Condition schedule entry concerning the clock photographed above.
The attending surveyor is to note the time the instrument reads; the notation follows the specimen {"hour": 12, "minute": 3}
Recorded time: {"hour": 12, "minute": 11}
